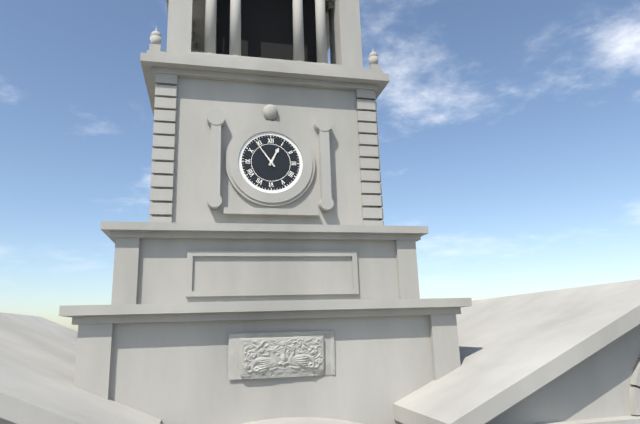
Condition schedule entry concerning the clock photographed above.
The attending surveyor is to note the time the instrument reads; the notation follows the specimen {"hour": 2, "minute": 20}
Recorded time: {"hour": 12, "minute": 54}
